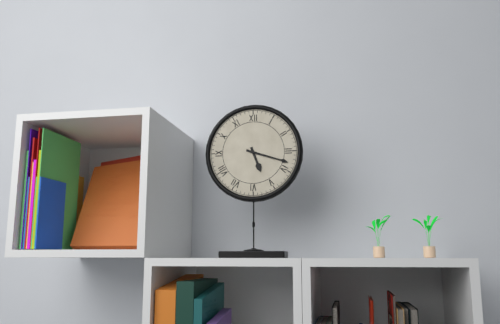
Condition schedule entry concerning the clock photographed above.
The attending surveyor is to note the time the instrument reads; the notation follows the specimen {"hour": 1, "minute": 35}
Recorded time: {"hour": 5, "minute": 18}
